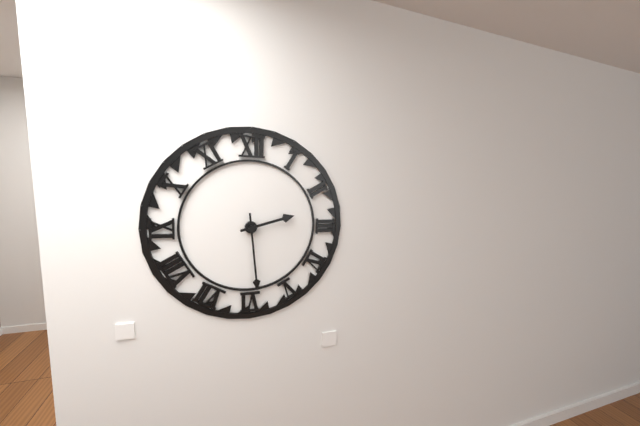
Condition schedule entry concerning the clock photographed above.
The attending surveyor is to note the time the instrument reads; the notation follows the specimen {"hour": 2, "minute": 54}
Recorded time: {"hour": 2, "minute": 29}
